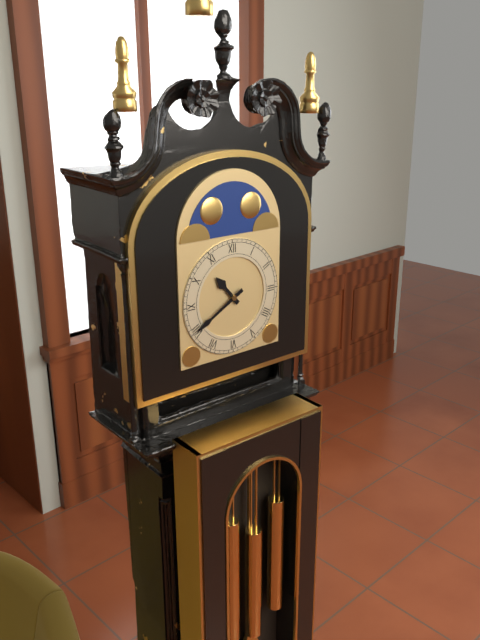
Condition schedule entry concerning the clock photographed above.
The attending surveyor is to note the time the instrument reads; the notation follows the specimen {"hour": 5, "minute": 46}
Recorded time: {"hour": 10, "minute": 40}
